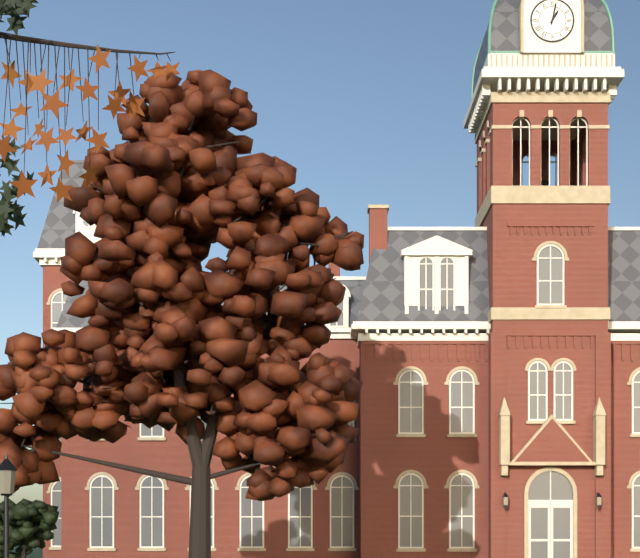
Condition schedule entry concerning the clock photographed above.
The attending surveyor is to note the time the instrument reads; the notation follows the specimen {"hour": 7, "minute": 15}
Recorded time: {"hour": 1, "minute": 2}
